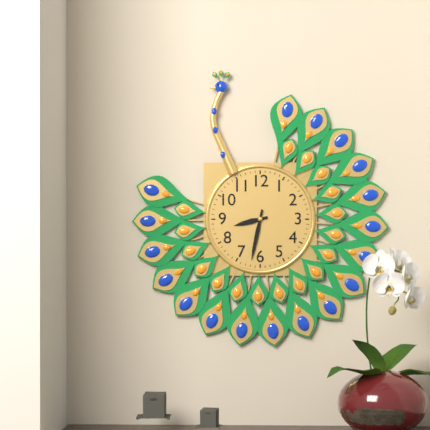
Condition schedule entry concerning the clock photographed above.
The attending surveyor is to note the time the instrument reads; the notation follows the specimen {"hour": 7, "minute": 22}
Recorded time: {"hour": 8, "minute": 32}
